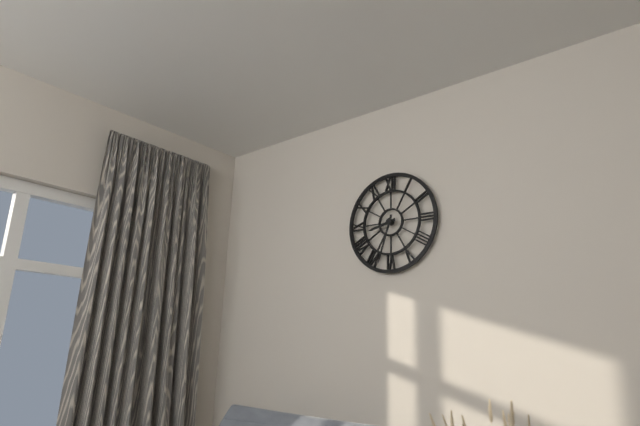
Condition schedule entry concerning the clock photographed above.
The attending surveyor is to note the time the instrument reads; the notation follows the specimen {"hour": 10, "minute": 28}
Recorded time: {"hour": 8, "minute": 33}
